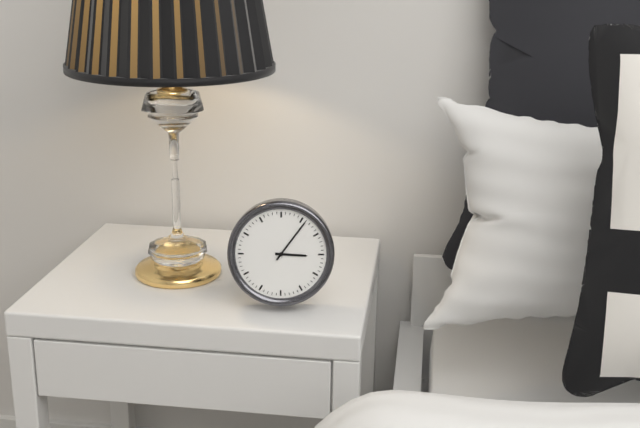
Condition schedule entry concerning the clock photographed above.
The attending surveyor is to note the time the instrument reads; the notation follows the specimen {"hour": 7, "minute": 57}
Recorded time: {"hour": 3, "minute": 6}
